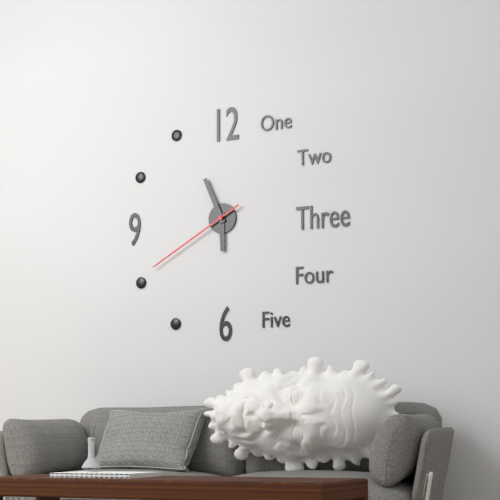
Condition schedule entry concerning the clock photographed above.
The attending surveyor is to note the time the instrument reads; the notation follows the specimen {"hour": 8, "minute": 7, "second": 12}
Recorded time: {"hour": 5, "minute": 56, "second": 40}
